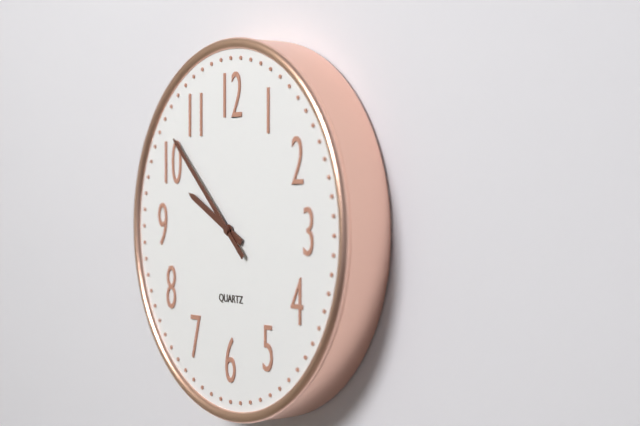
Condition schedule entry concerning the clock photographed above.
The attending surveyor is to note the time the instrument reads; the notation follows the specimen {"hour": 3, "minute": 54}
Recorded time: {"hour": 9, "minute": 52}
